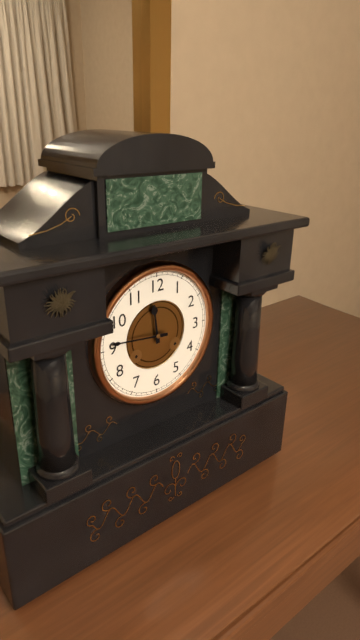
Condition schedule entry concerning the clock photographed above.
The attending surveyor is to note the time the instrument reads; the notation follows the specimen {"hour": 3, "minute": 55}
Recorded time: {"hour": 11, "minute": 46}
